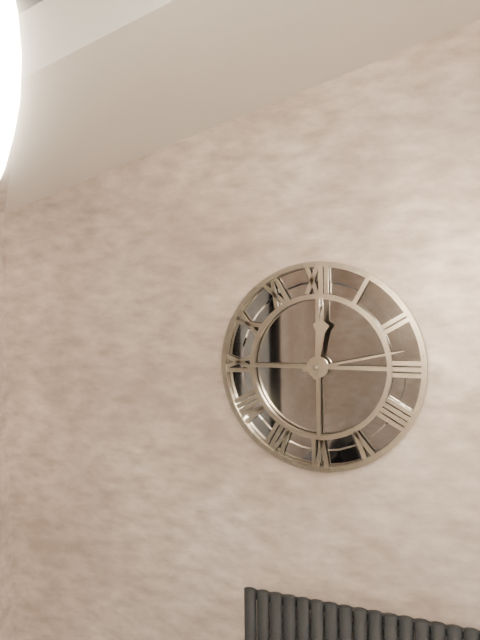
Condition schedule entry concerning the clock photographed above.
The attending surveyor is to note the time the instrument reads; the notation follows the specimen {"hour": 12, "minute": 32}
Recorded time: {"hour": 12, "minute": 13}
